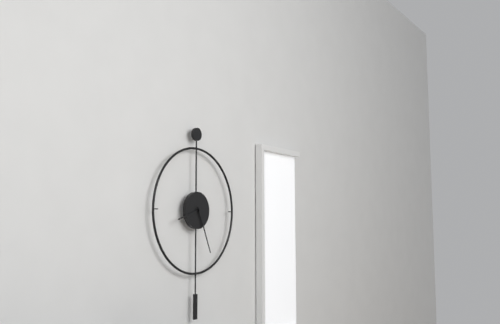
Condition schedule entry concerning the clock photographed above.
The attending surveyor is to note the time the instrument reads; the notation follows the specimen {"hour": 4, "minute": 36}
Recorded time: {"hour": 8, "minute": 26}
